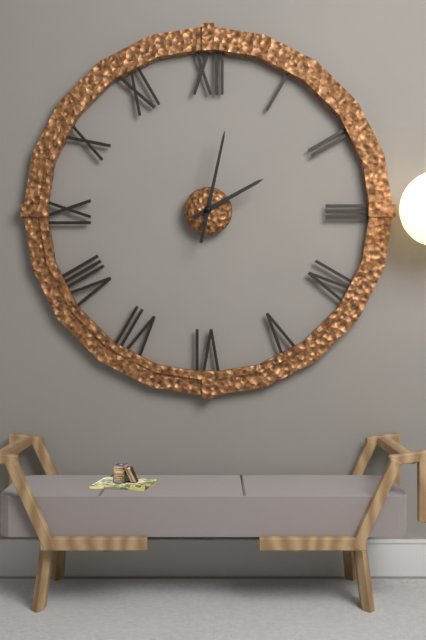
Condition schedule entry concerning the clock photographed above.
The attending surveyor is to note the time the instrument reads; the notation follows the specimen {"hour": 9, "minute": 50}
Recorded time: {"hour": 2, "minute": 2}
